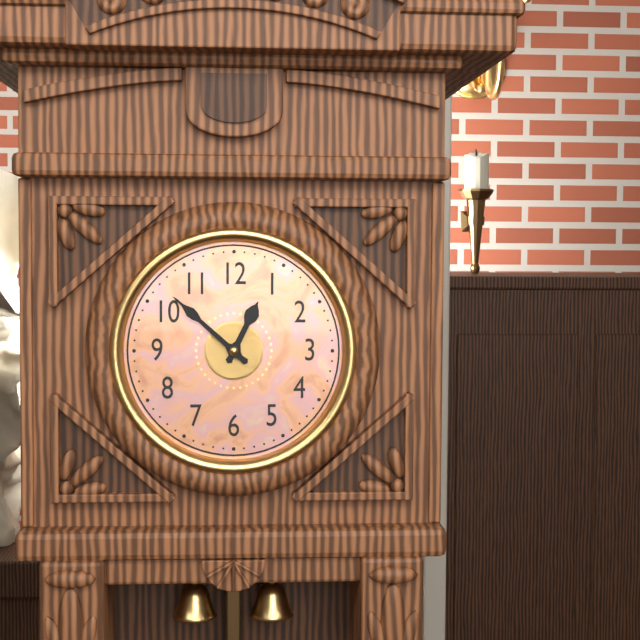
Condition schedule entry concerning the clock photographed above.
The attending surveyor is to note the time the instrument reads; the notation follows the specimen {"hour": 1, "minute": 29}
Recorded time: {"hour": 12, "minute": 52}
